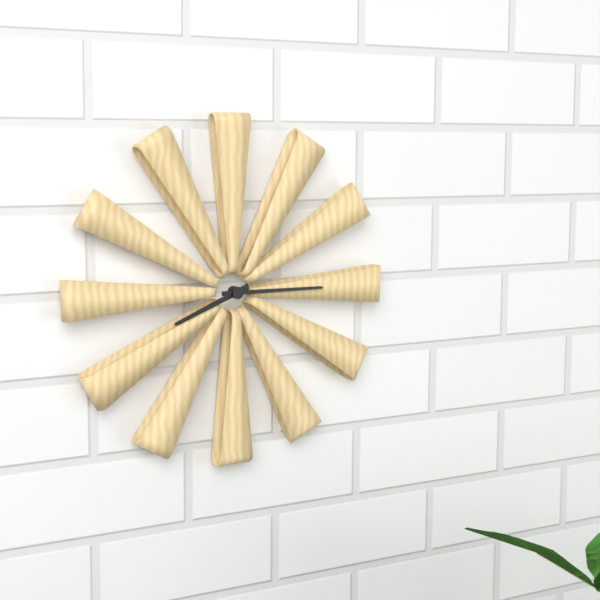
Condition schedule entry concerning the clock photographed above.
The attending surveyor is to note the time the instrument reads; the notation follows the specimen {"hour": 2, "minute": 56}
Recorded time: {"hour": 8, "minute": 15}
